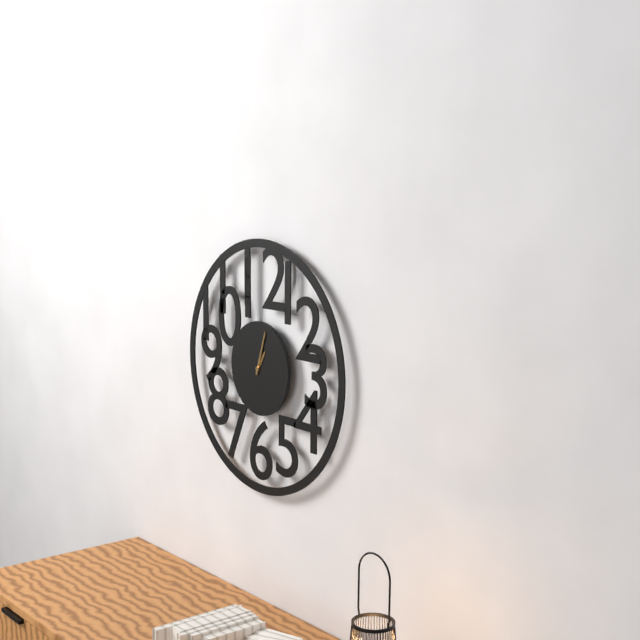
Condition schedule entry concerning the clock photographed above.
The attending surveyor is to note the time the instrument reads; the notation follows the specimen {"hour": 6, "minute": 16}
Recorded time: {"hour": 1, "minute": 3}
